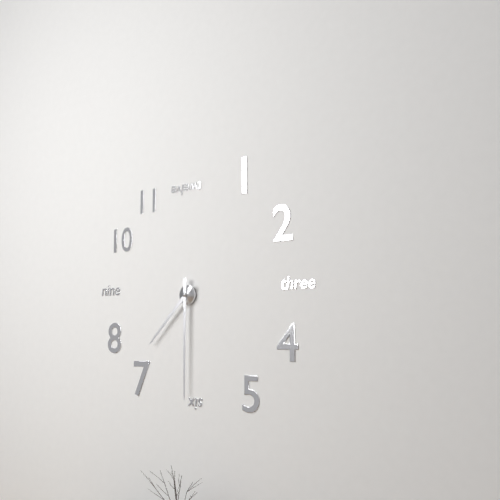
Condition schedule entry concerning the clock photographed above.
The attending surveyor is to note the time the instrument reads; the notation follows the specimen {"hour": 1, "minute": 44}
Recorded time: {"hour": 7, "minute": 30}
